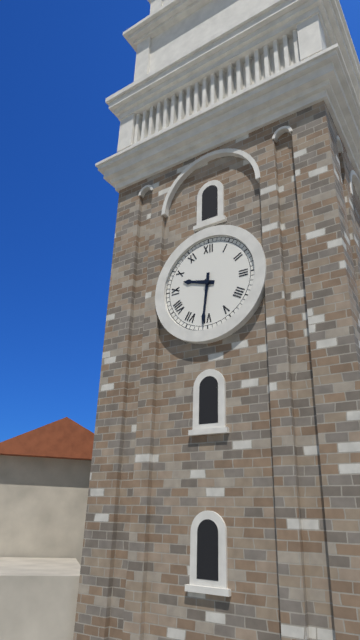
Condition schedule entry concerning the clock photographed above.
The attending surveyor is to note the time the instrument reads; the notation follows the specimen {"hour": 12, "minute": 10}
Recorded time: {"hour": 9, "minute": 31}
